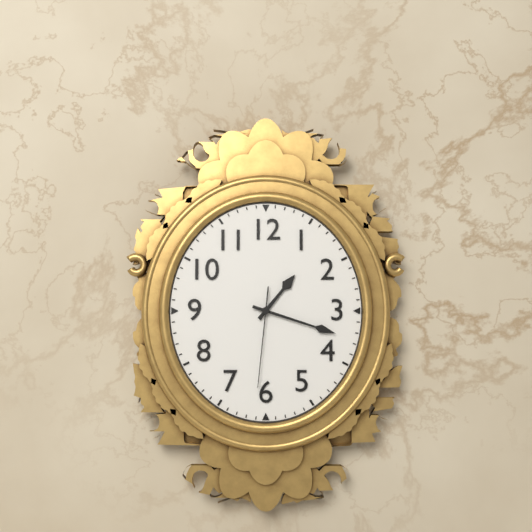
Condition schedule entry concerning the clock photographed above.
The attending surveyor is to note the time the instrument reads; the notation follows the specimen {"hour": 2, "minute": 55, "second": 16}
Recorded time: {"hour": 1, "minute": 18, "second": 31}
